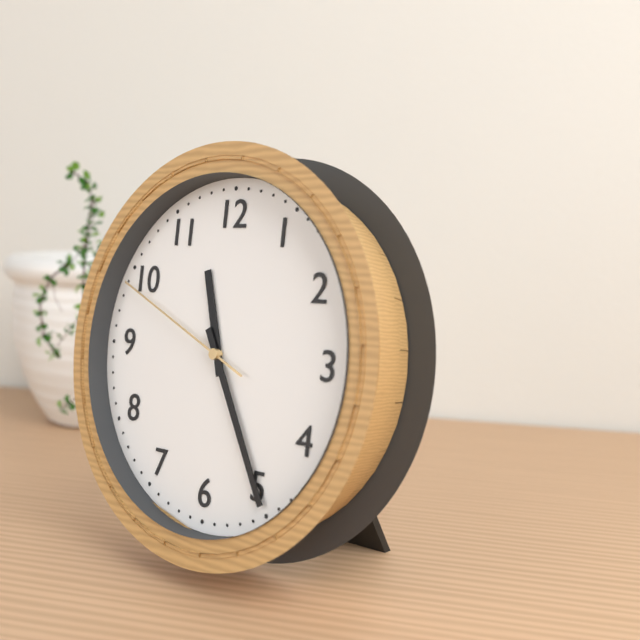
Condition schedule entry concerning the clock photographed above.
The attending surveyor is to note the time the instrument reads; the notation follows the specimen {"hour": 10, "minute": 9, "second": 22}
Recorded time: {"hour": 11, "minute": 25, "second": 49}
